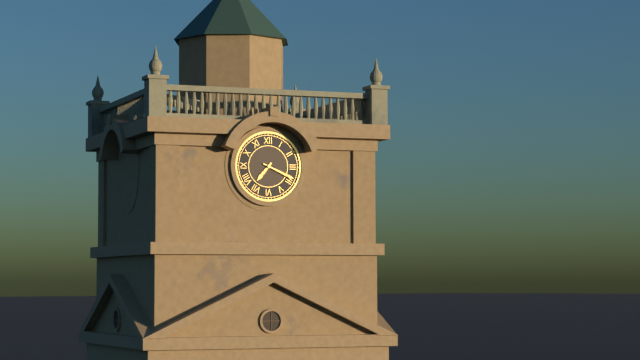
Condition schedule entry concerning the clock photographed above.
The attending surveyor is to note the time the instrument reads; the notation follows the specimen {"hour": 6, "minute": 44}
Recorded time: {"hour": 7, "minute": 19}
